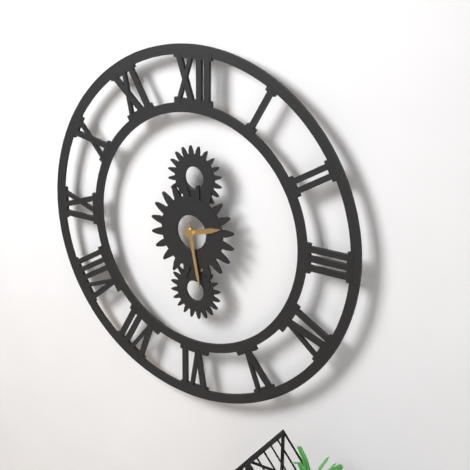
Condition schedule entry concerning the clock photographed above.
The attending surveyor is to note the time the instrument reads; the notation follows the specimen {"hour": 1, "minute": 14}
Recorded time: {"hour": 2, "minute": 28}
